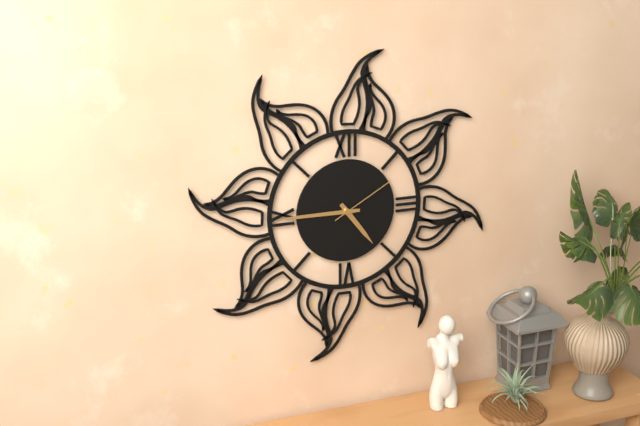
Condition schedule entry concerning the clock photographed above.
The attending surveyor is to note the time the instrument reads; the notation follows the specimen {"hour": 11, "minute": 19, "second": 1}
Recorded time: {"hour": 4, "minute": 45, "second": 10}
